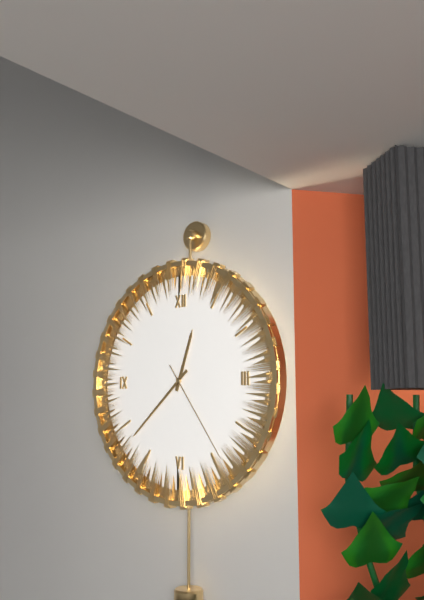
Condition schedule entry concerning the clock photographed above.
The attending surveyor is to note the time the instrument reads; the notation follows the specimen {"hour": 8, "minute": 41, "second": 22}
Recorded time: {"hour": 12, "minute": 38, "second": 24}
